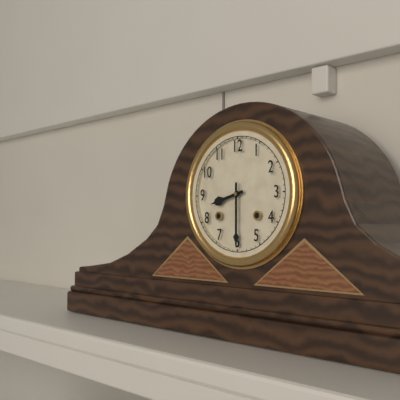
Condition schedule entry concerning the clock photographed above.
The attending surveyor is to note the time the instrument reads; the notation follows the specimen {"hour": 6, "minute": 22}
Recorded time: {"hour": 8, "minute": 30}
